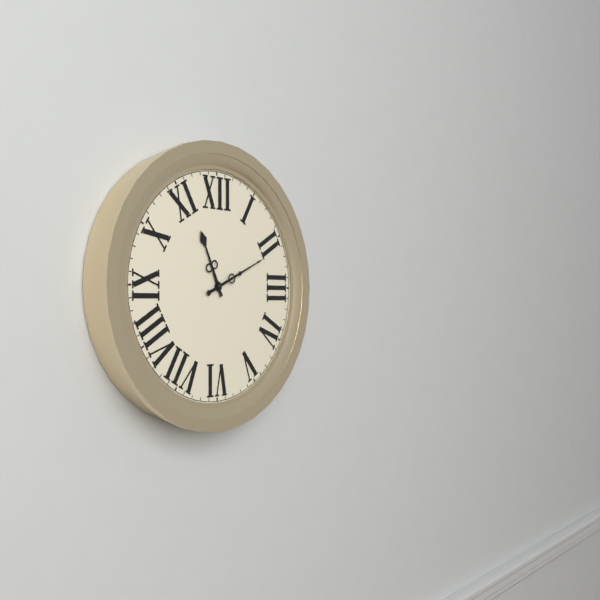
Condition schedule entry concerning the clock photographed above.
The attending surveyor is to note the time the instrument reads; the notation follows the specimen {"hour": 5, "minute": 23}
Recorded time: {"hour": 11, "minute": 11}
